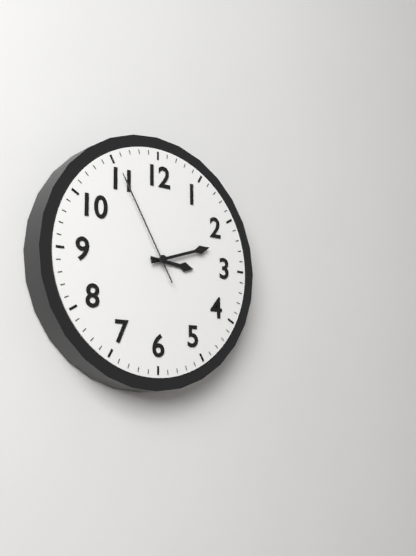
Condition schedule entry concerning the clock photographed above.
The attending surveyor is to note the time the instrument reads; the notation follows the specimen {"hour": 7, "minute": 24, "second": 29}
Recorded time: {"hour": 3, "minute": 12, "second": 55}
